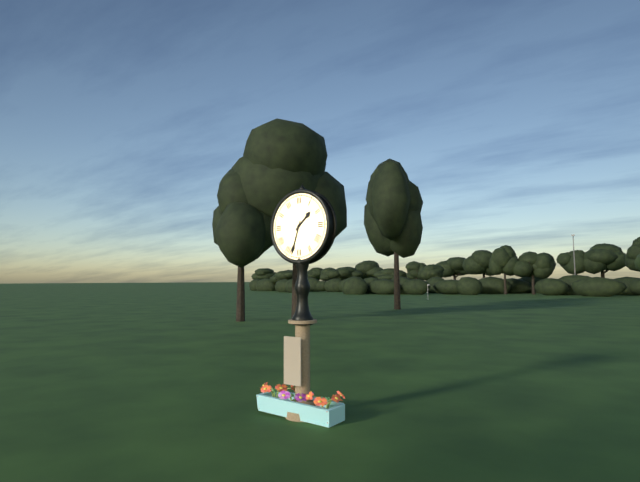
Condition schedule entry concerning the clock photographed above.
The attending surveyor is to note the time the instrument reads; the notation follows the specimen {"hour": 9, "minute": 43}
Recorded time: {"hour": 1, "minute": 33}
